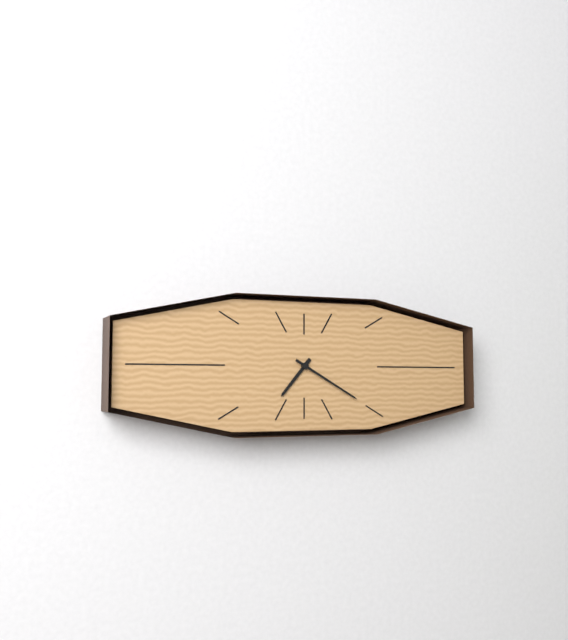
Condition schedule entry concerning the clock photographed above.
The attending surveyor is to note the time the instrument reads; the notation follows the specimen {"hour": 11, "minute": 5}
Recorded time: {"hour": 7, "minute": 20}
